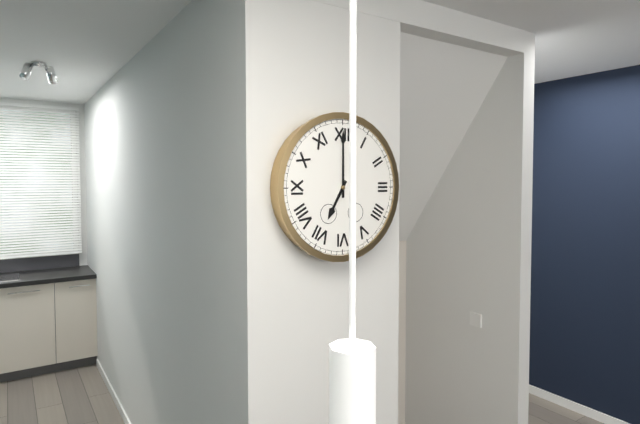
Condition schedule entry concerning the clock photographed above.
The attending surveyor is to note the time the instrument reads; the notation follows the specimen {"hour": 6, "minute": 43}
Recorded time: {"hour": 7, "minute": 0}
